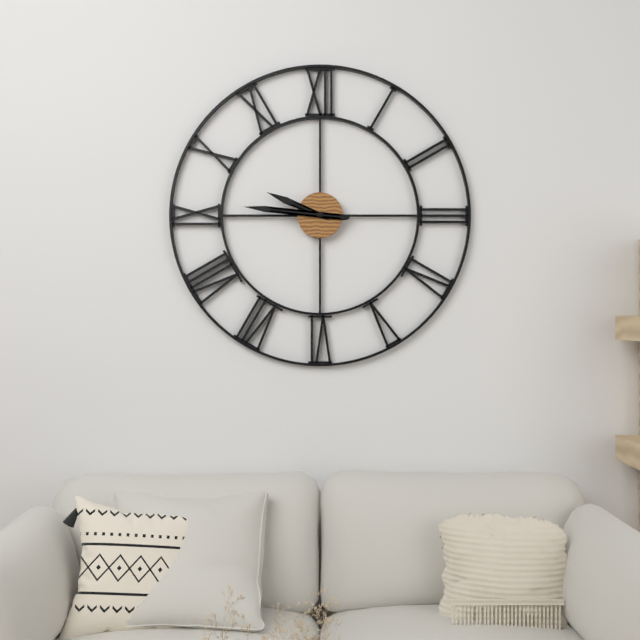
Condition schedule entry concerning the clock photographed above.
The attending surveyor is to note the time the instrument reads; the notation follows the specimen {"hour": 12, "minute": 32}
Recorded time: {"hour": 9, "minute": 46}
